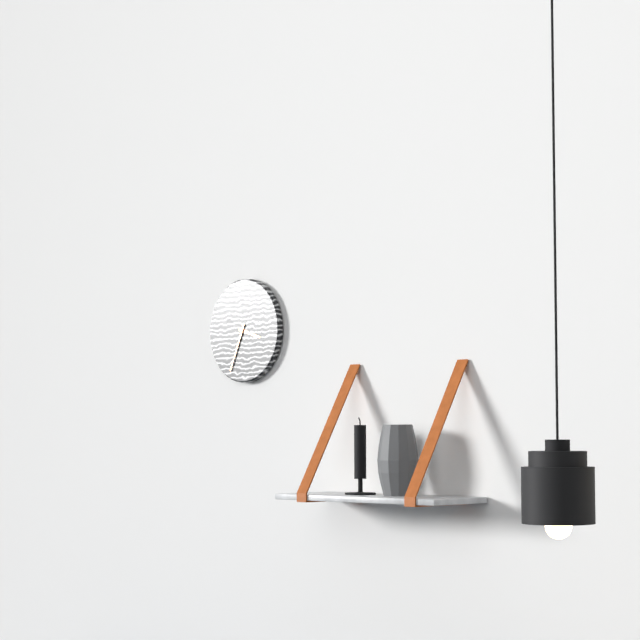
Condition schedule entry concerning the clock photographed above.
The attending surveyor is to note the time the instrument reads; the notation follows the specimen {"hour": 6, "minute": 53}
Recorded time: {"hour": 3, "minute": 34}
